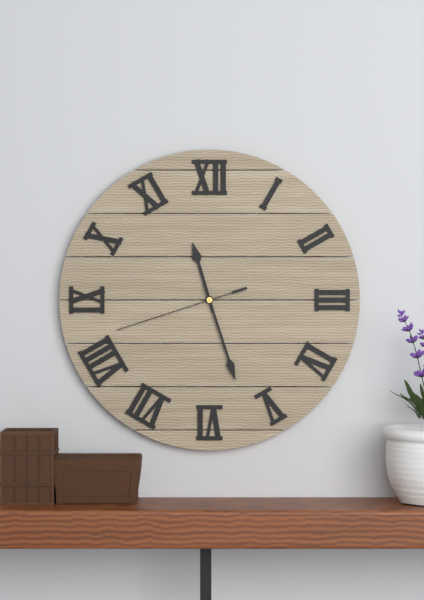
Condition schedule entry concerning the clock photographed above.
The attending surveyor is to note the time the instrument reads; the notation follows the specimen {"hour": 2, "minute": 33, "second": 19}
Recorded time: {"hour": 11, "minute": 27, "second": 42}
